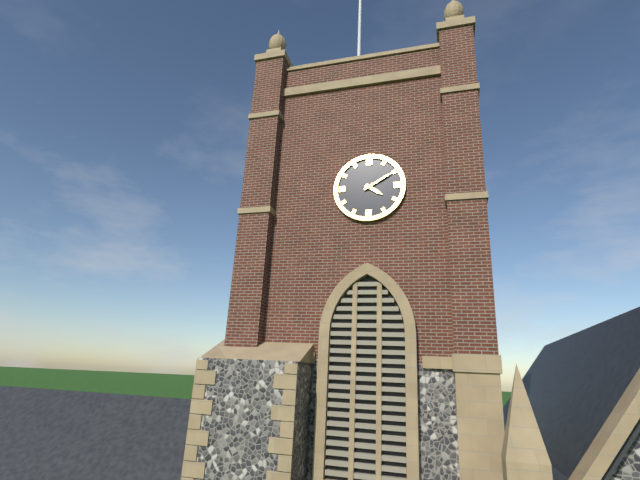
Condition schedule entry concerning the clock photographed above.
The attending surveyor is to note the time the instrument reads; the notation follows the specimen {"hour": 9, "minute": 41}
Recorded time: {"hour": 4, "minute": 10}
